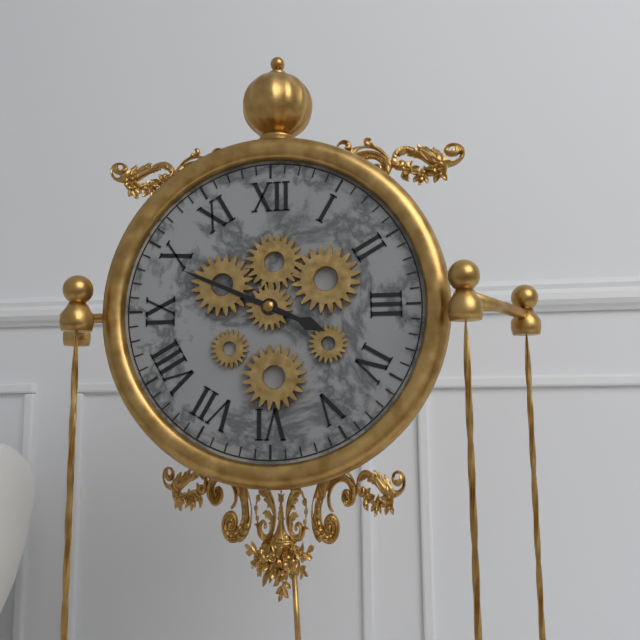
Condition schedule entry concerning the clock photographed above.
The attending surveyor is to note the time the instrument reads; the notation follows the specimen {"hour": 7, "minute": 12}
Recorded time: {"hour": 3, "minute": 49}
